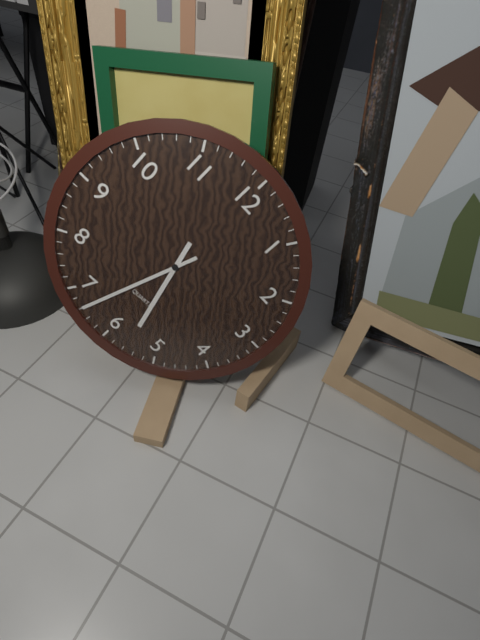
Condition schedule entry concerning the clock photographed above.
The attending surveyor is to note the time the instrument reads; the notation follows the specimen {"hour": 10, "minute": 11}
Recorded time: {"hour": 5, "minute": 33}
